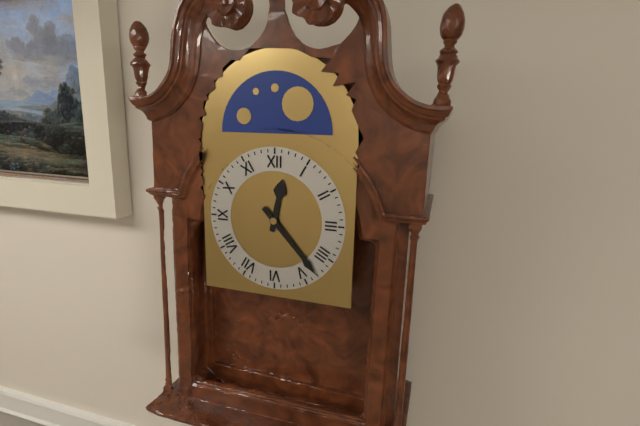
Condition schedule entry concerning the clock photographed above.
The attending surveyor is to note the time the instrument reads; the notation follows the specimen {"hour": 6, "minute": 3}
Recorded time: {"hour": 12, "minute": 23}
